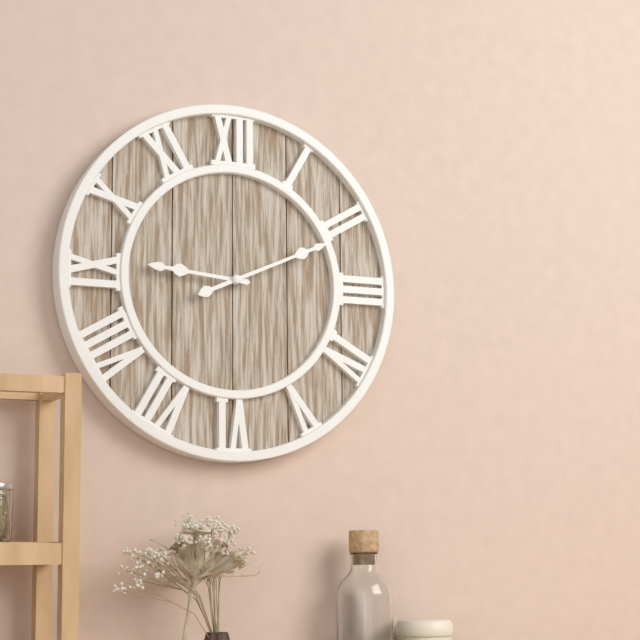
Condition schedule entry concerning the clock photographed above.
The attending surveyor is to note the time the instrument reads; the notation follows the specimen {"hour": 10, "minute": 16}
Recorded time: {"hour": 9, "minute": 11}
